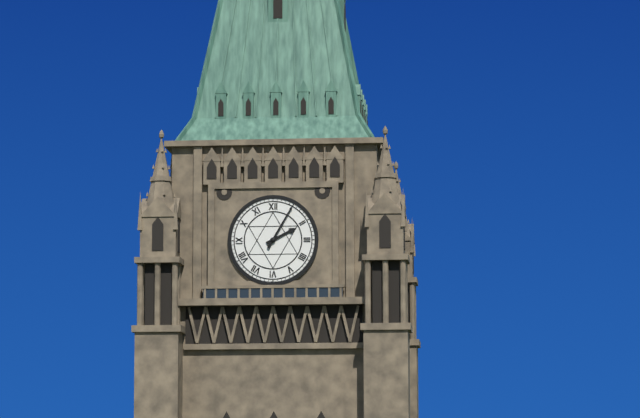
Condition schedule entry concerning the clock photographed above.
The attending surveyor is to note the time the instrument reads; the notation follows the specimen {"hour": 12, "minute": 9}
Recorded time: {"hour": 2, "minute": 5}
